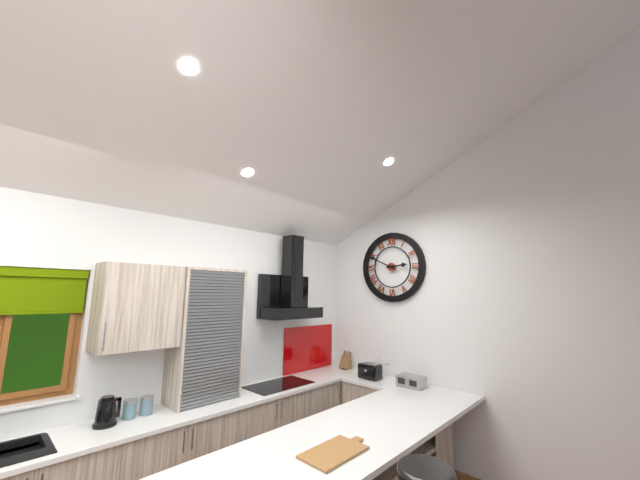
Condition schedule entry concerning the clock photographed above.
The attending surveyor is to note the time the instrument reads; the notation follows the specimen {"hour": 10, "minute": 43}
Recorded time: {"hour": 2, "minute": 49}
